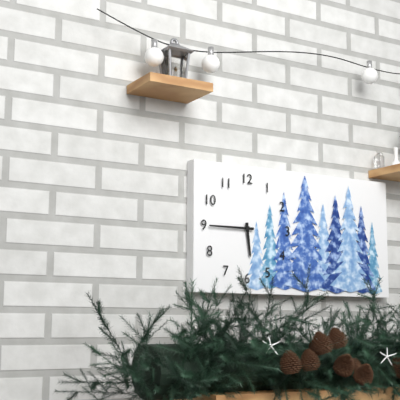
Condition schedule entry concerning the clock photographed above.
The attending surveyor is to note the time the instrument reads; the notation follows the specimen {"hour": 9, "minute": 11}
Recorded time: {"hour": 5, "minute": 45}
